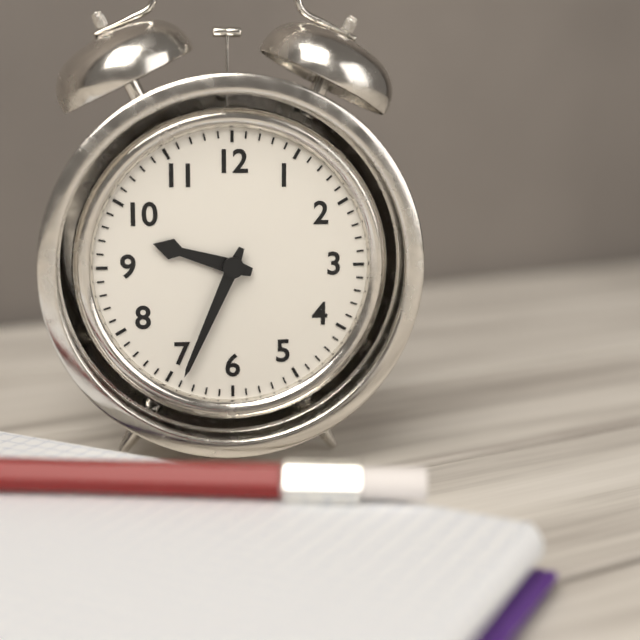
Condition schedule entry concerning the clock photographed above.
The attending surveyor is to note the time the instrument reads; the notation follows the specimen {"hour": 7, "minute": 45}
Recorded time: {"hour": 9, "minute": 34}
